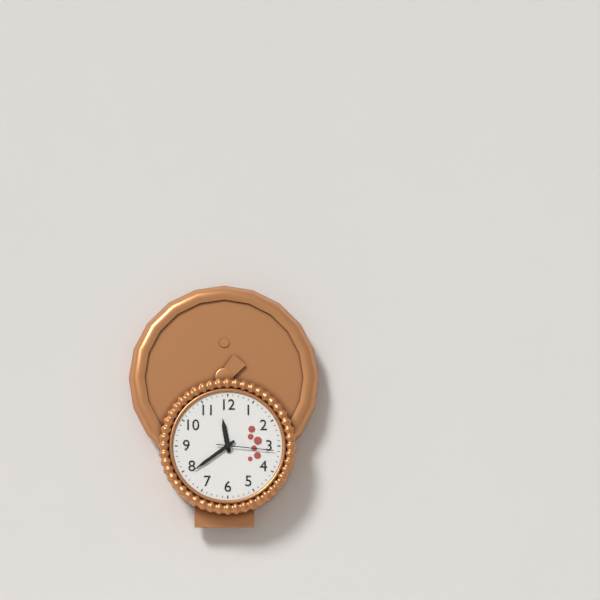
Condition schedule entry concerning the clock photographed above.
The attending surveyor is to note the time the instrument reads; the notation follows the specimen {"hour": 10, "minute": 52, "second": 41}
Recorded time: {"hour": 11, "minute": 39, "second": 16}
